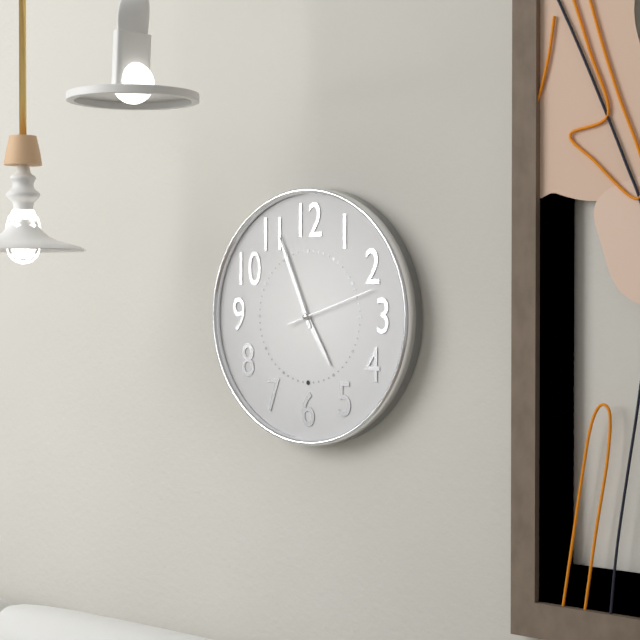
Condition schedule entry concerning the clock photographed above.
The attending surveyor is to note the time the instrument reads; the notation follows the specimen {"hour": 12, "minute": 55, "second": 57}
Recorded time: {"hour": 4, "minute": 56, "second": 12}
